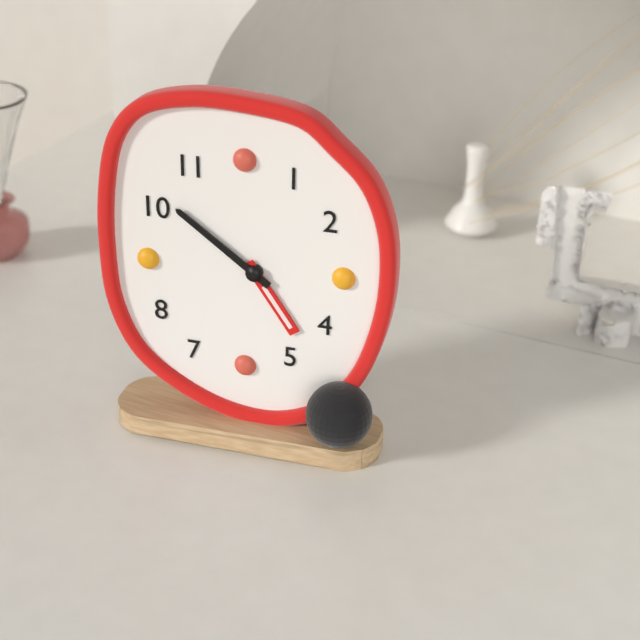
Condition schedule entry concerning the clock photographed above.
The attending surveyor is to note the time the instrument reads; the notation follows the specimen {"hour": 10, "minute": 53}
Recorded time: {"hour": 4, "minute": 51}
